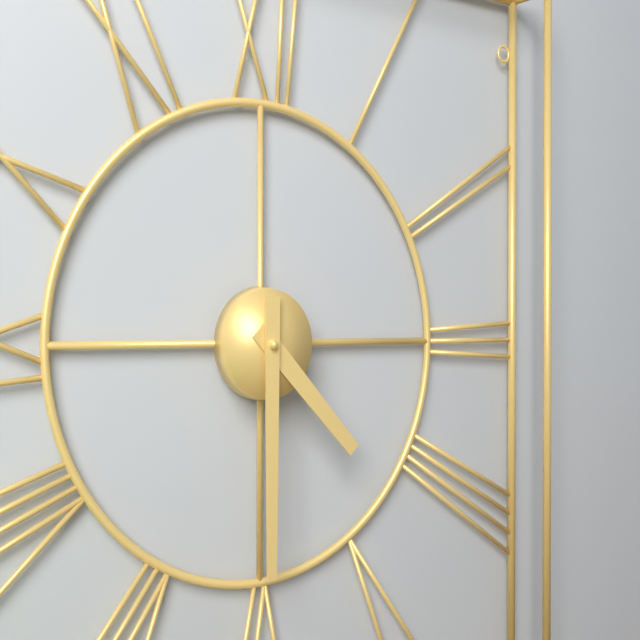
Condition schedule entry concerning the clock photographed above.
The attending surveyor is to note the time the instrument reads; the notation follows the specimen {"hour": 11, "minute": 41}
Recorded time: {"hour": 4, "minute": 30}
